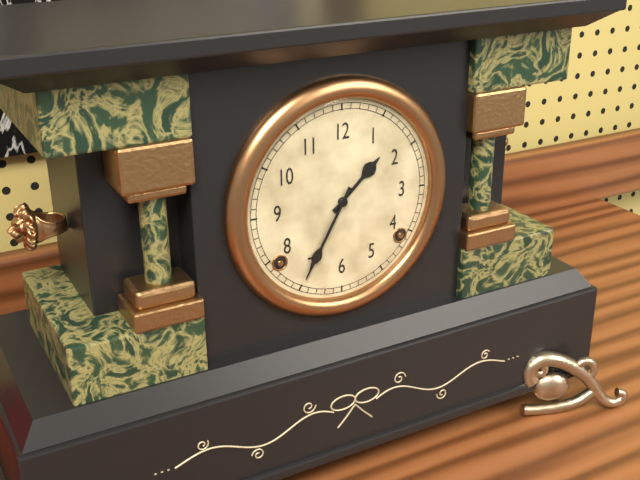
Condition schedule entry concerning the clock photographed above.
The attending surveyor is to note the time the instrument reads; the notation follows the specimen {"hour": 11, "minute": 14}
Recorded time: {"hour": 1, "minute": 35}
